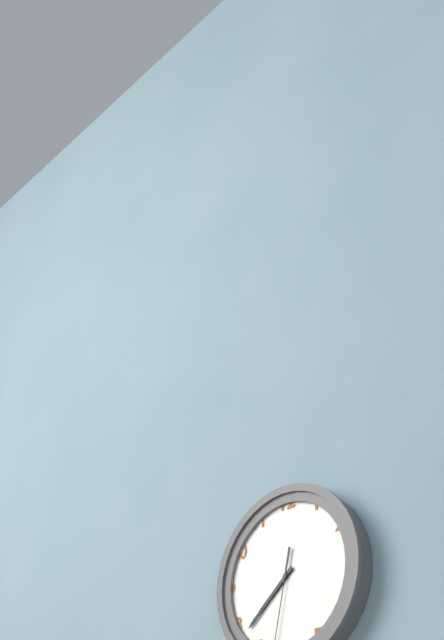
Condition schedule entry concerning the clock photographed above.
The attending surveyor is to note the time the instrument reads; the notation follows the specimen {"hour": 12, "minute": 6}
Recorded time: {"hour": 7, "minute": 38}
